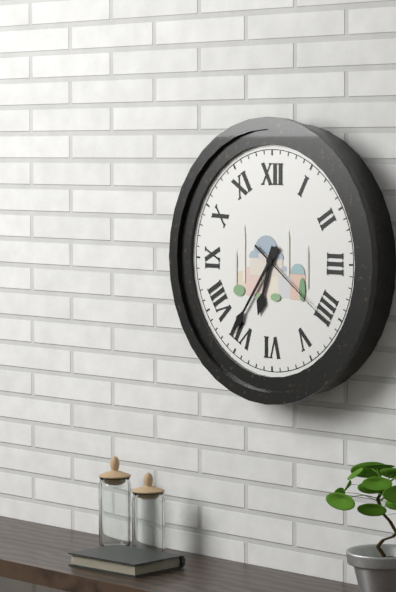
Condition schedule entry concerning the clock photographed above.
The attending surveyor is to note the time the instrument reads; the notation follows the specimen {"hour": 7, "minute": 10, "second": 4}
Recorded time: {"hour": 6, "minute": 36, "second": 21}
